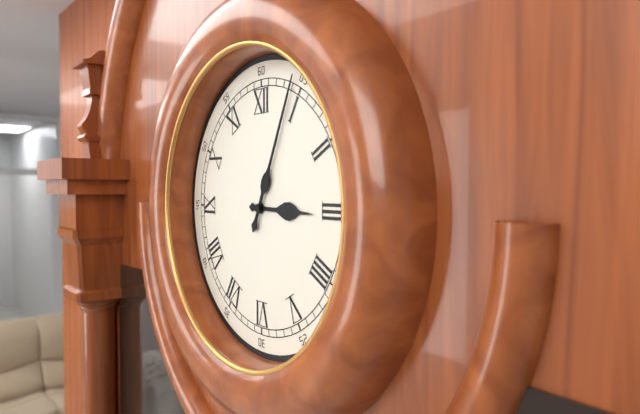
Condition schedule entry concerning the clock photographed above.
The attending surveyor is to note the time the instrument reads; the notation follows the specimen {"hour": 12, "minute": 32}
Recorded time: {"hour": 3, "minute": 4}
